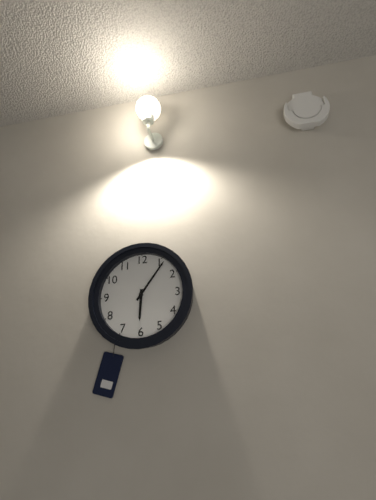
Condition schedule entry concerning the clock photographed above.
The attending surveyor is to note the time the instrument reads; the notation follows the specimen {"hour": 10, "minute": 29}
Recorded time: {"hour": 6, "minute": 6}
